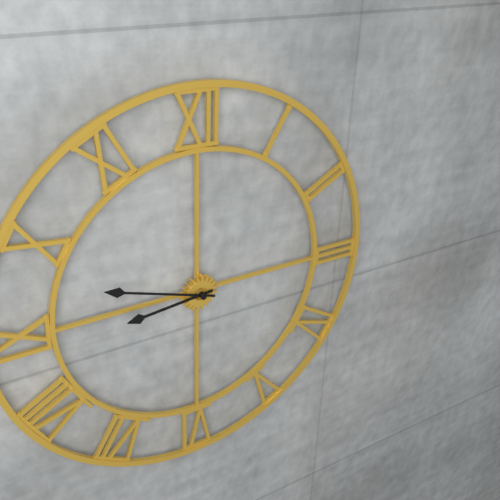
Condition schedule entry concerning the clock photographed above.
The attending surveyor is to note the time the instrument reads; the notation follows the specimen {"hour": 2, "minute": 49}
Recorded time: {"hour": 8, "minute": 48}
